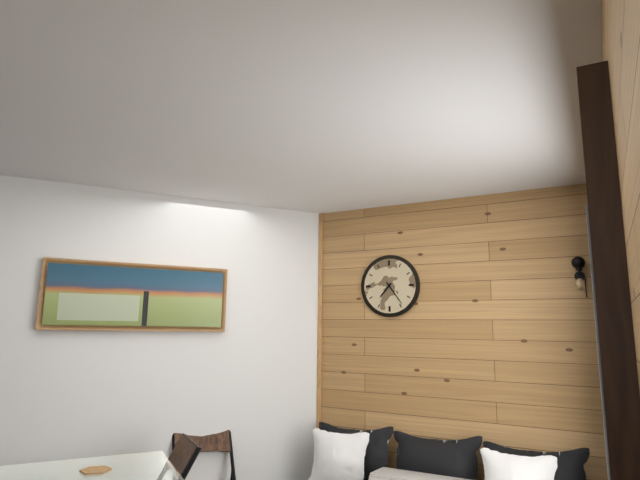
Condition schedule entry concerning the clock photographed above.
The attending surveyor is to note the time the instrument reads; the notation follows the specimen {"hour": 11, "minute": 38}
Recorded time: {"hour": 7, "minute": 24}
